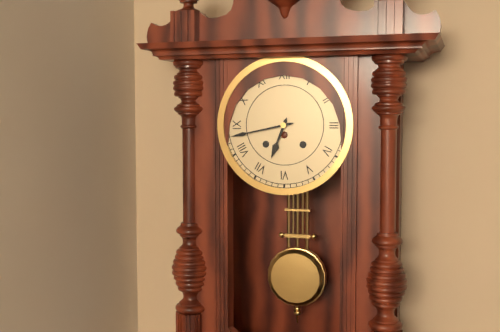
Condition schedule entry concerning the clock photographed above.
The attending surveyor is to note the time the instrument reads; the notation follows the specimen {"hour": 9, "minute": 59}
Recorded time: {"hour": 6, "minute": 43}
